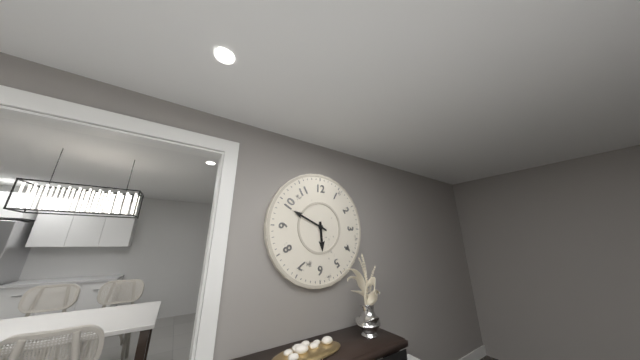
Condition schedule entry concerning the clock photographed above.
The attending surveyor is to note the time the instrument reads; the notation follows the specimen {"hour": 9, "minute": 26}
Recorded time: {"hour": 5, "minute": 49}
